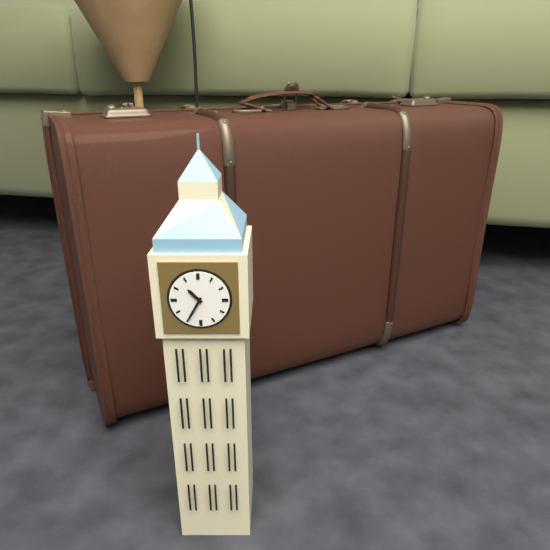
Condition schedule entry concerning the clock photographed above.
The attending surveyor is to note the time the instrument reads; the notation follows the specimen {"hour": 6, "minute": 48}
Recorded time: {"hour": 10, "minute": 35}
